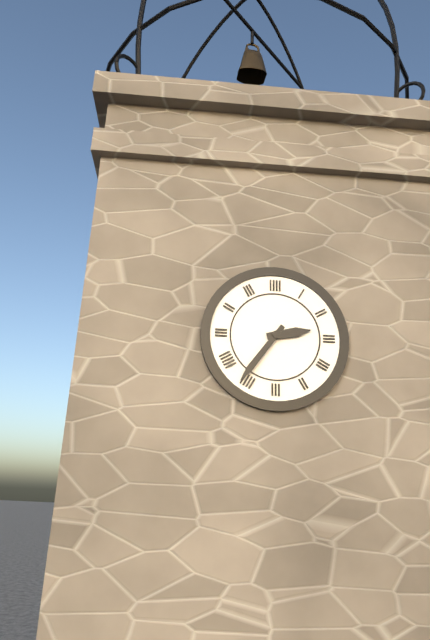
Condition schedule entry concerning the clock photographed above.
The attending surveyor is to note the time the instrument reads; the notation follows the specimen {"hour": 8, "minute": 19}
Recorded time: {"hour": 2, "minute": 36}
